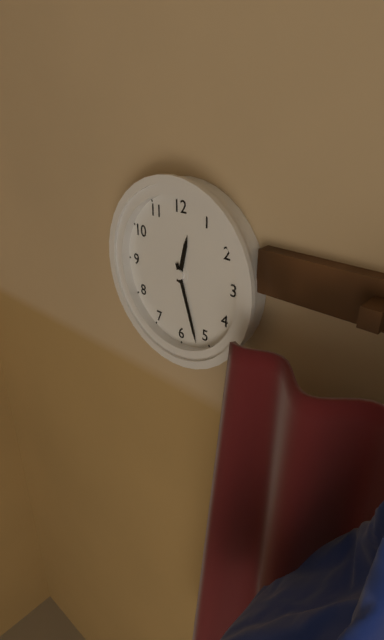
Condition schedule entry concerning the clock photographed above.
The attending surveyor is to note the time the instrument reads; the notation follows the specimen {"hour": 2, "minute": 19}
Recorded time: {"hour": 12, "minute": 27}
